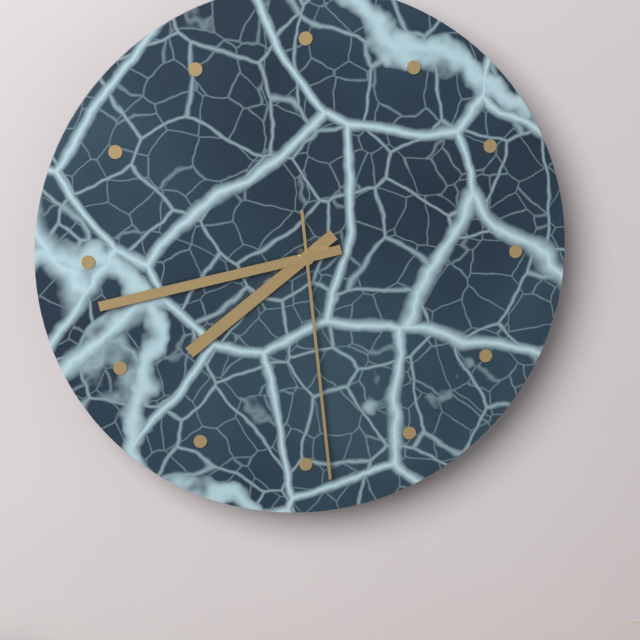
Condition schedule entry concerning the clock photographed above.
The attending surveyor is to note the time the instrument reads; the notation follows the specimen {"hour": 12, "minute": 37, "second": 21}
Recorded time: {"hour": 7, "minute": 43, "second": 29}
